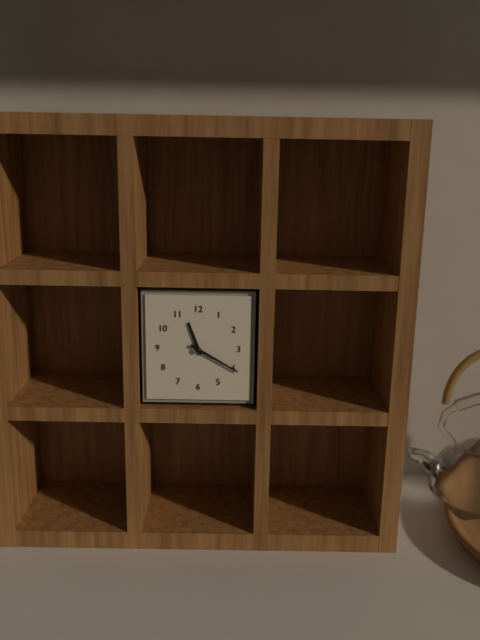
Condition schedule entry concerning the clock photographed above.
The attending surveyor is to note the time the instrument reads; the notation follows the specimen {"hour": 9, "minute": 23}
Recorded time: {"hour": 11, "minute": 20}
